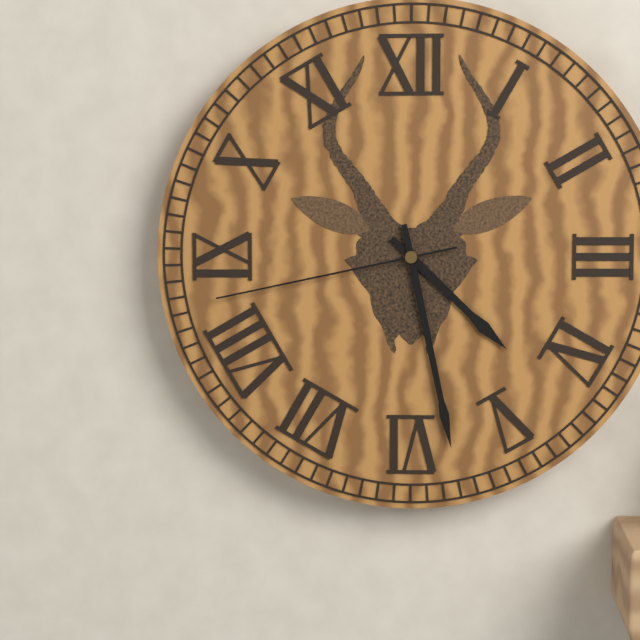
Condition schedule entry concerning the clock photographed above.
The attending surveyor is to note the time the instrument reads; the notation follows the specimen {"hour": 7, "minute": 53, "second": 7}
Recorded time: {"hour": 4, "minute": 28, "second": 43}
